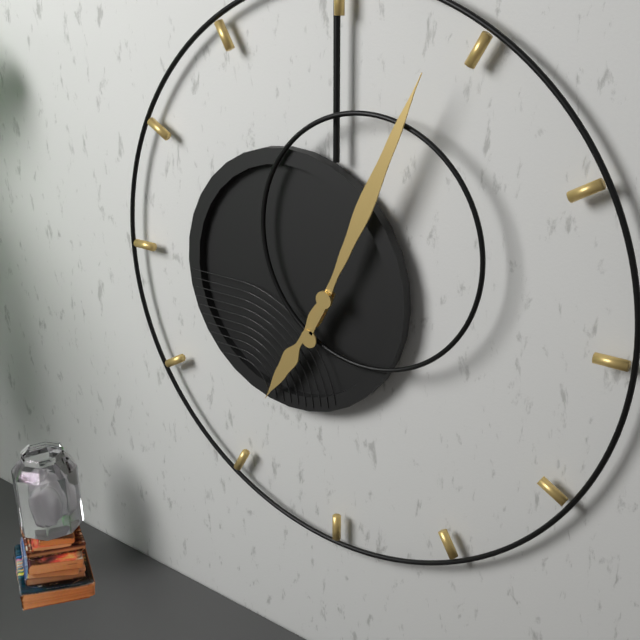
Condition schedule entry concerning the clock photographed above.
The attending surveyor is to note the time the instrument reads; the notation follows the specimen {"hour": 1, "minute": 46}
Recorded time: {"hour": 7, "minute": 4}
